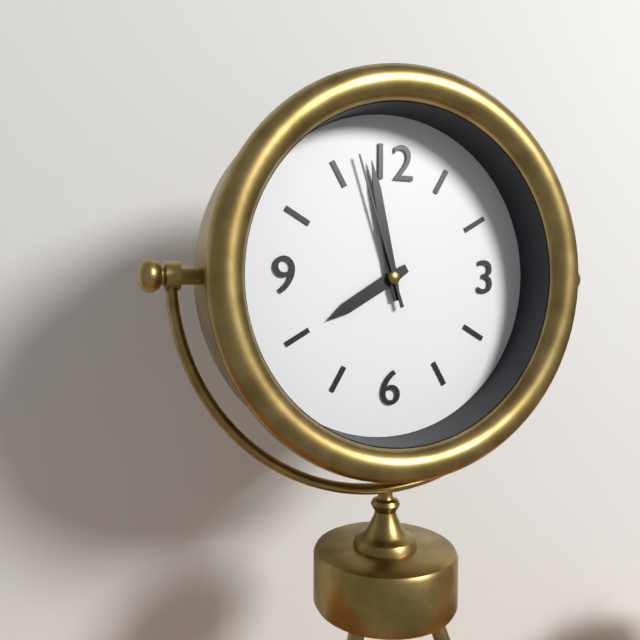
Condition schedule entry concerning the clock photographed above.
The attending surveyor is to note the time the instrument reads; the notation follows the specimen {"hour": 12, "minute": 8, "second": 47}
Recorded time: {"hour": 7, "minute": 58, "second": 57}
